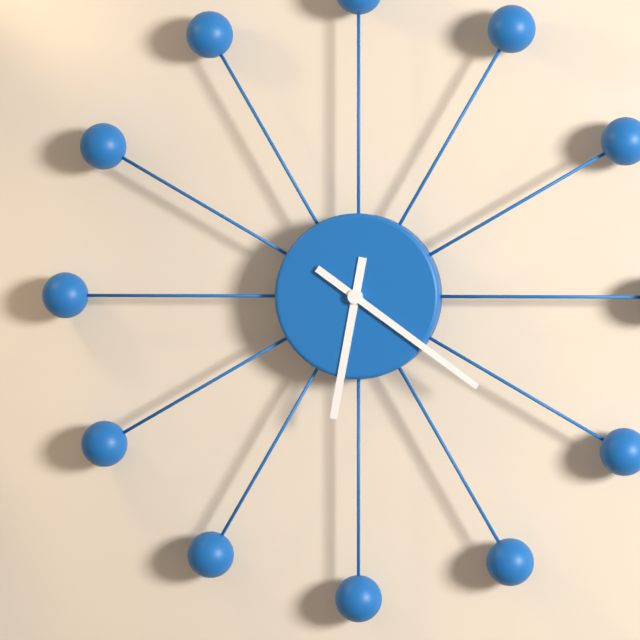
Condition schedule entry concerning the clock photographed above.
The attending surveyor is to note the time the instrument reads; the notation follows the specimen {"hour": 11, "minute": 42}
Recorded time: {"hour": 6, "minute": 21}
